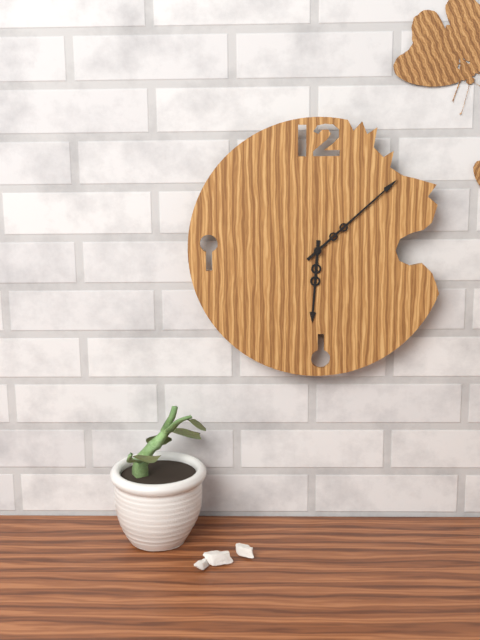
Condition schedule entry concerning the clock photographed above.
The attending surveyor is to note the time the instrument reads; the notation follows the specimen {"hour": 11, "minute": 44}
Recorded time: {"hour": 6, "minute": 8}
